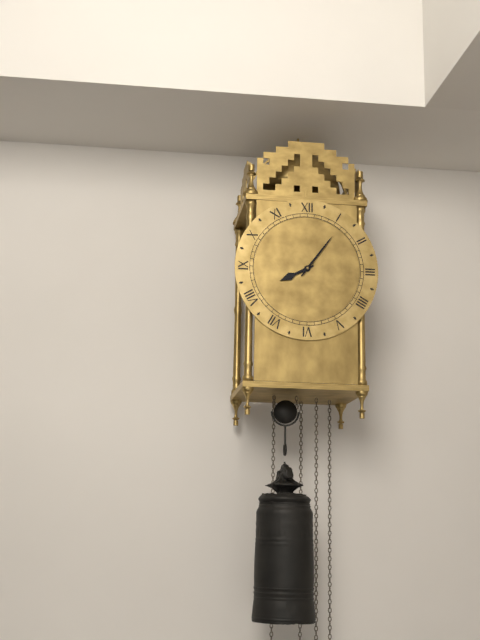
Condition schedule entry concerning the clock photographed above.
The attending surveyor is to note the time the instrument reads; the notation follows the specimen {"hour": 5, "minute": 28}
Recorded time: {"hour": 8, "minute": 6}
